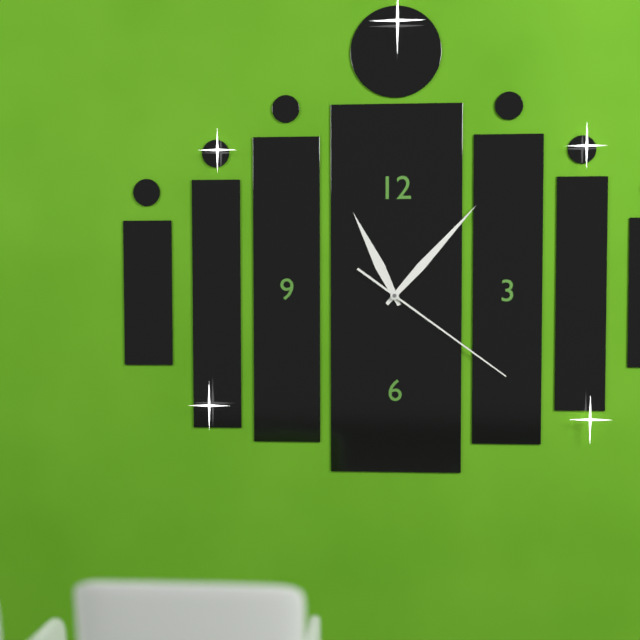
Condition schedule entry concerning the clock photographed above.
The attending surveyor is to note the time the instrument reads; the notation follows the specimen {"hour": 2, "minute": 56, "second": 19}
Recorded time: {"hour": 11, "minute": 7, "second": 21}
